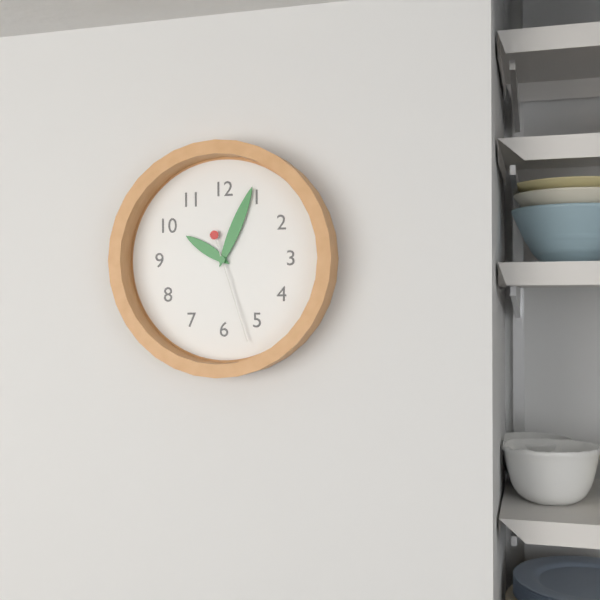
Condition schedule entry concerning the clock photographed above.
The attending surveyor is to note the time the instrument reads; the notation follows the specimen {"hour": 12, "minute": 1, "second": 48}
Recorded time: {"hour": 10, "minute": 4, "second": 27}
